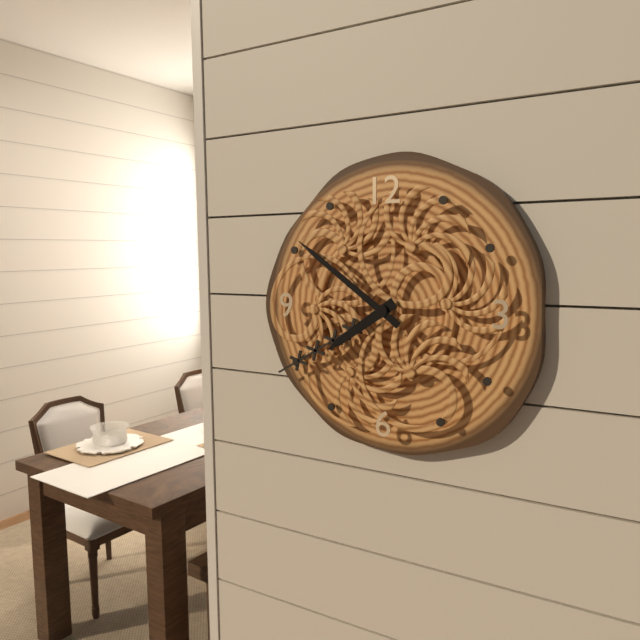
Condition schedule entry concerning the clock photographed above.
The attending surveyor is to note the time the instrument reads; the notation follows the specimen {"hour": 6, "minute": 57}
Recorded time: {"hour": 7, "minute": 51}
